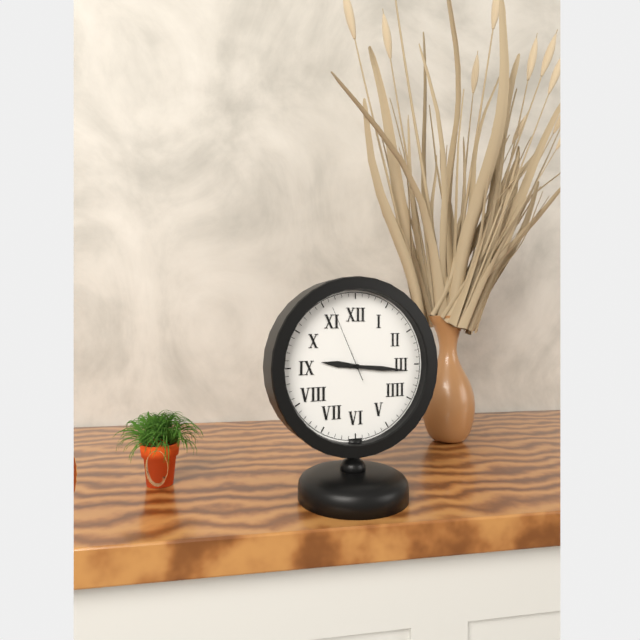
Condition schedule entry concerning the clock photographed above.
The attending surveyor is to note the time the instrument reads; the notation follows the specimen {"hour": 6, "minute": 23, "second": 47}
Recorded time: {"hour": 9, "minute": 16, "second": 56}
